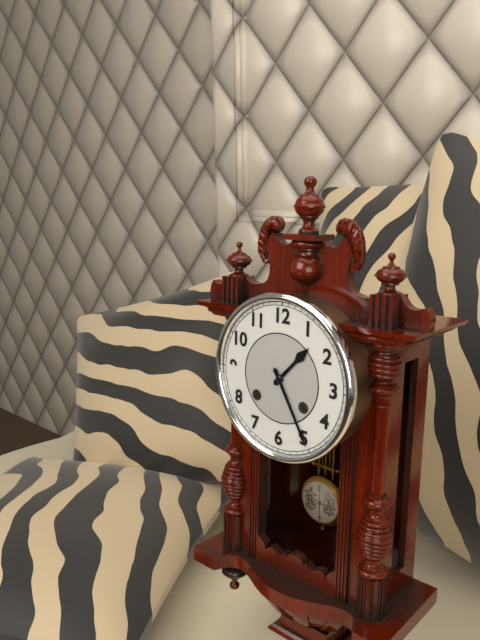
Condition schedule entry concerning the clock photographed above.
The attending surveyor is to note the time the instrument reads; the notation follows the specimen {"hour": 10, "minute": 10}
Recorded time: {"hour": 1, "minute": 25}
